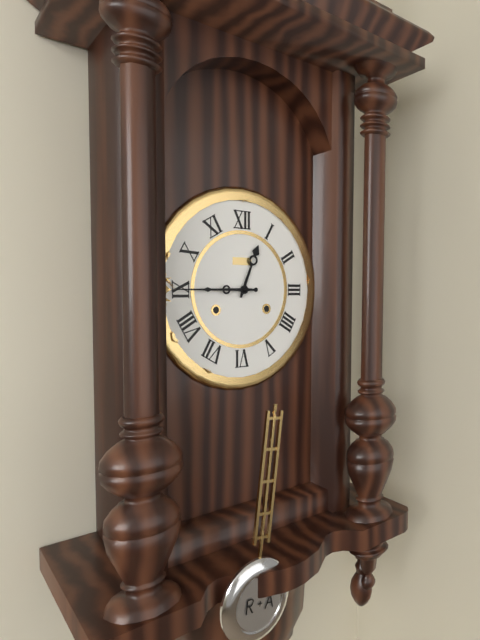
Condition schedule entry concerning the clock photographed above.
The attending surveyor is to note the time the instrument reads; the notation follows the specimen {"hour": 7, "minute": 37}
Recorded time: {"hour": 12, "minute": 45}
